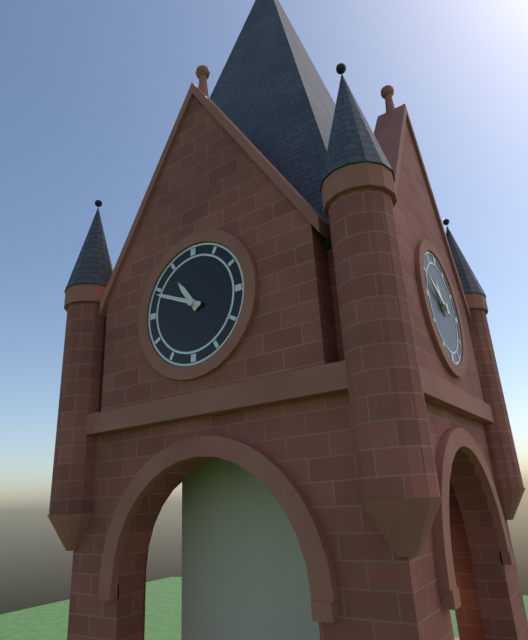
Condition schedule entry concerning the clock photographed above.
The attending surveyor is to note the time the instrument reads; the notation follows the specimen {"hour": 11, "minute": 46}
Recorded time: {"hour": 10, "minute": 49}
